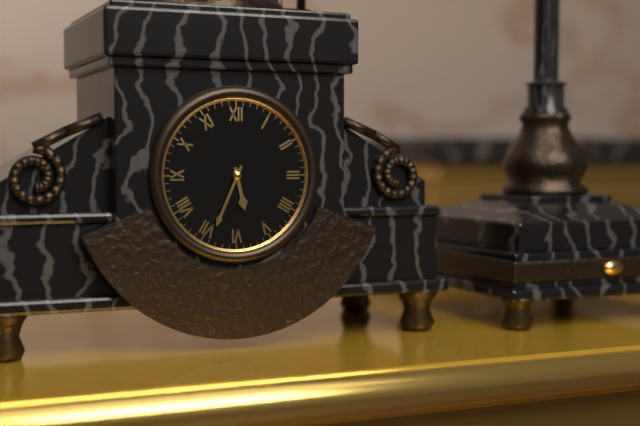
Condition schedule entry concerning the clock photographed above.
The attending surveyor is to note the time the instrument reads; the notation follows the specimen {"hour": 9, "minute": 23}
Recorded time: {"hour": 5, "minute": 34}
